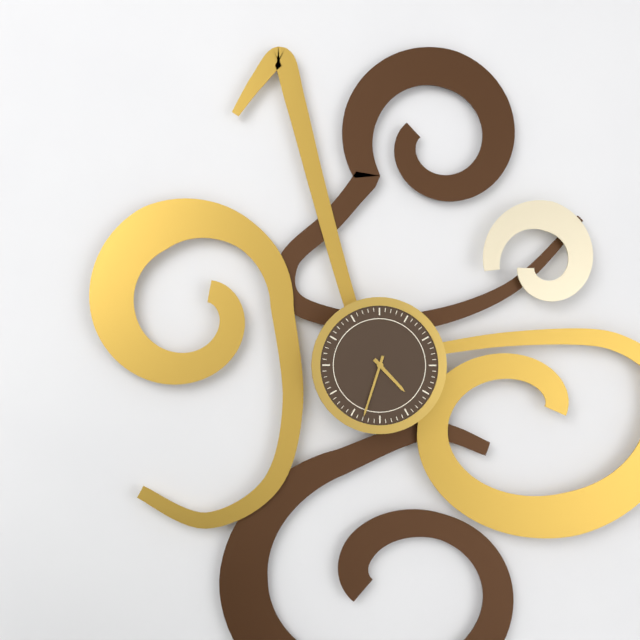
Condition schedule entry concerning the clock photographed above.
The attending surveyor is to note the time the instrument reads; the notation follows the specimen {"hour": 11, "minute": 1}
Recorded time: {"hour": 4, "minute": 33}
